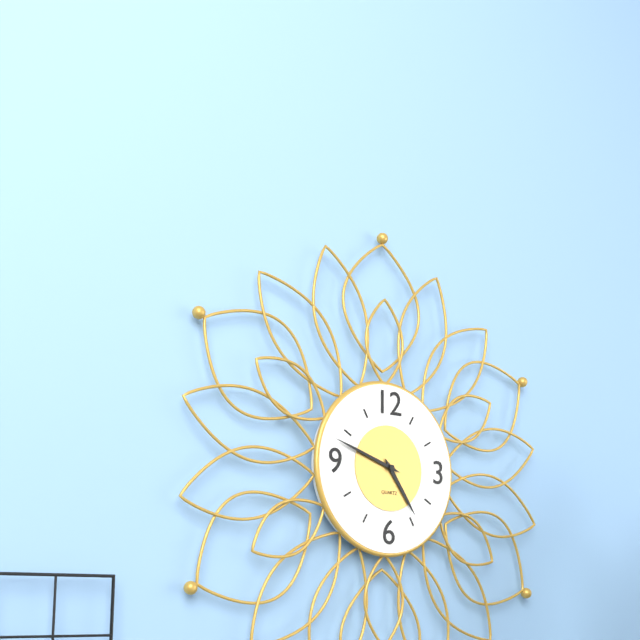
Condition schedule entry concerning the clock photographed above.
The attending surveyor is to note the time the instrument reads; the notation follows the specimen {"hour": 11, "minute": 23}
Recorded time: {"hour": 4, "minute": 48}
